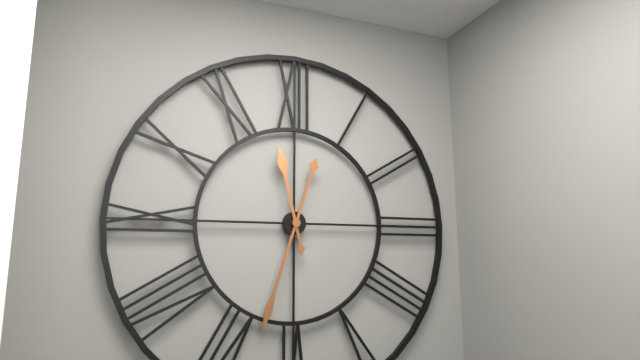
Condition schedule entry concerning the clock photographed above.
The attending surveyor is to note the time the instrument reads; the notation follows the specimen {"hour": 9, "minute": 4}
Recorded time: {"hour": 11, "minute": 33}
